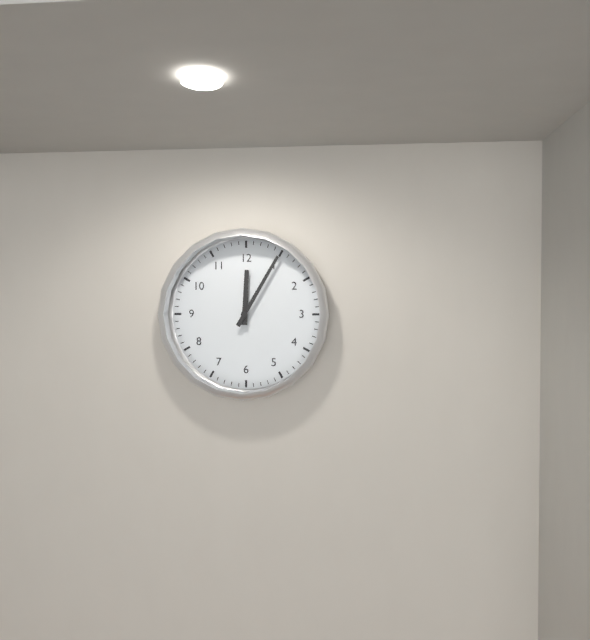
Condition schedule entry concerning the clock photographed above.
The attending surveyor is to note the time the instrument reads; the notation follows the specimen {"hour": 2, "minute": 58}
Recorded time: {"hour": 12, "minute": 5}
